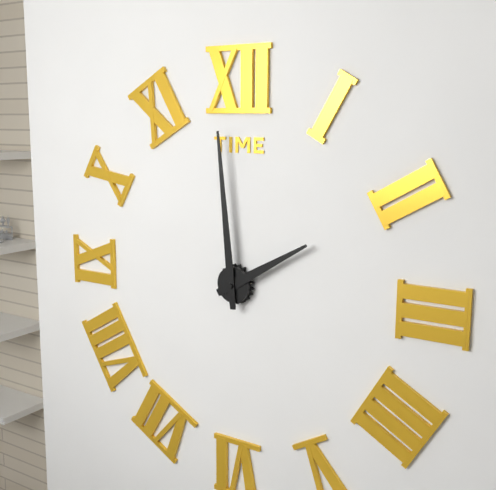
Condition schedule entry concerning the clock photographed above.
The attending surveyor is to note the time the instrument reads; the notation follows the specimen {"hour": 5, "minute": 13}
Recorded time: {"hour": 1, "minute": 59}
